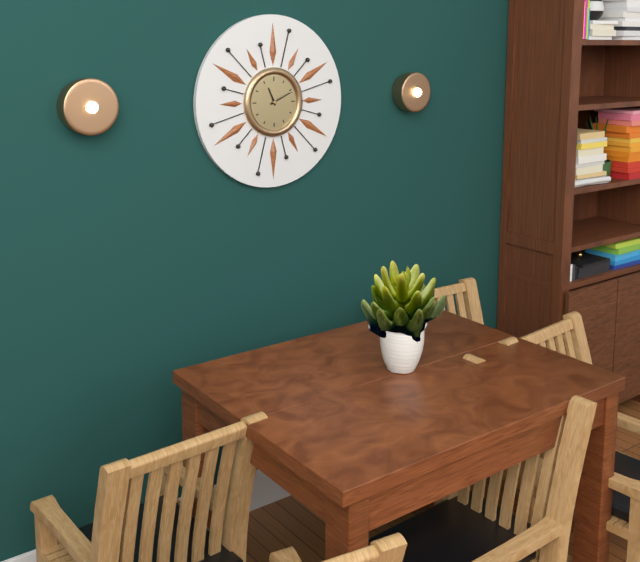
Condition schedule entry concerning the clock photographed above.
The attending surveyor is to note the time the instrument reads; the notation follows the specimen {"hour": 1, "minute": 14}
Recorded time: {"hour": 11, "minute": 11}
